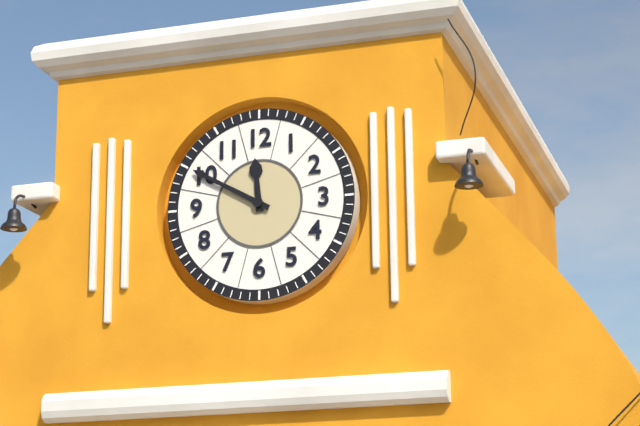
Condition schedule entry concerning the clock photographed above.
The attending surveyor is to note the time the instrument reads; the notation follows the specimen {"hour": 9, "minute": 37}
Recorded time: {"hour": 11, "minute": 50}
